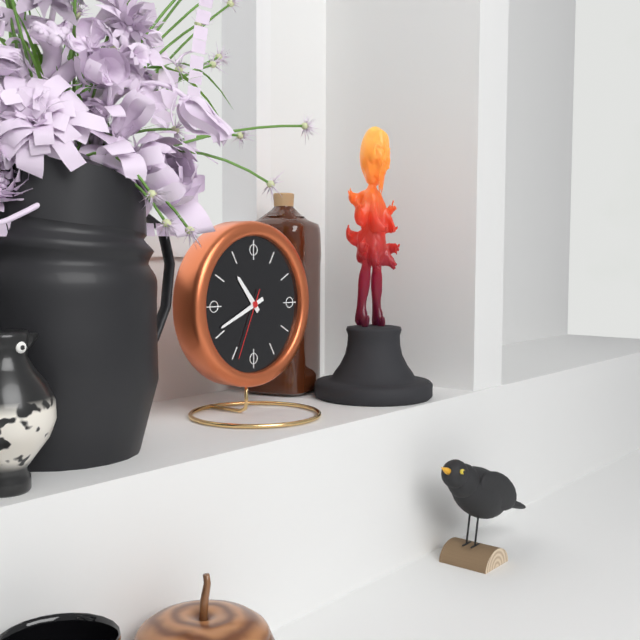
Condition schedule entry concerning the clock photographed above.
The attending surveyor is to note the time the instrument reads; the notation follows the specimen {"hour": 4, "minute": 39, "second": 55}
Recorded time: {"hour": 10, "minute": 41, "second": 34}
